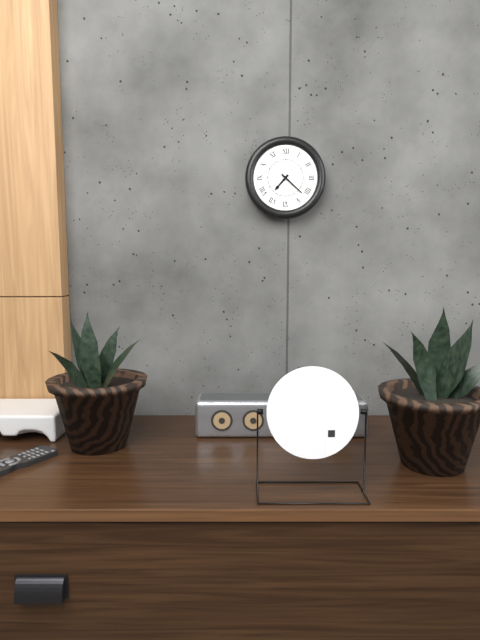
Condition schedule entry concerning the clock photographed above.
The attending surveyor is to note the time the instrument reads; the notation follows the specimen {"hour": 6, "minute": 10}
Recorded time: {"hour": 7, "minute": 22}
